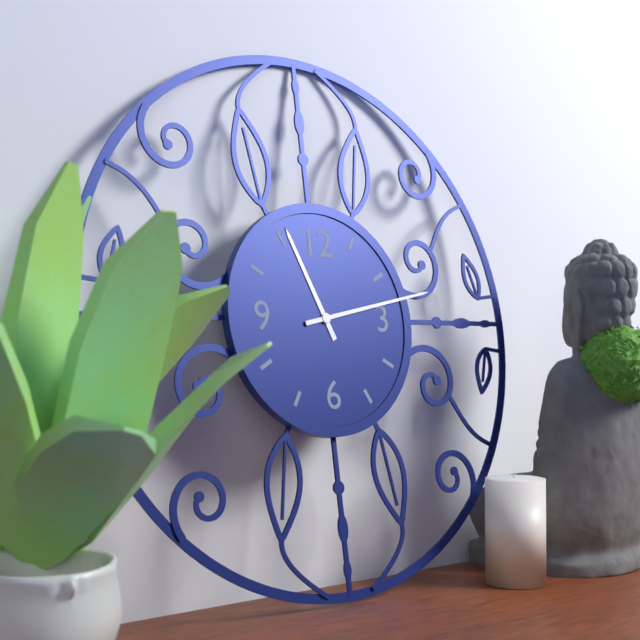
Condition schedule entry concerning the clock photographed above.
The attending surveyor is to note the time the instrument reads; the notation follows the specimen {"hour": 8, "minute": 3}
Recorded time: {"hour": 11, "minute": 13}
